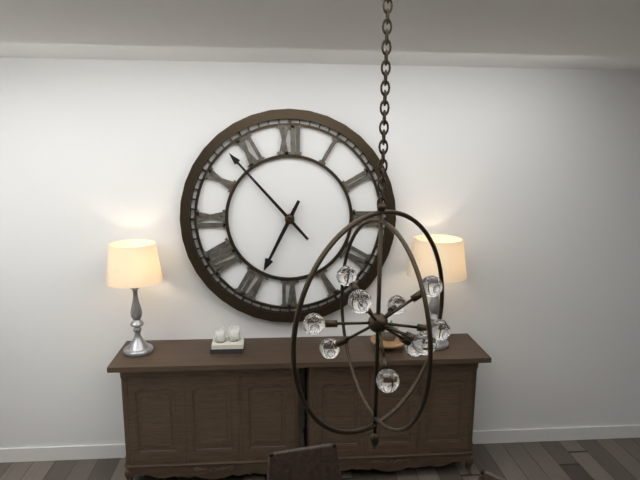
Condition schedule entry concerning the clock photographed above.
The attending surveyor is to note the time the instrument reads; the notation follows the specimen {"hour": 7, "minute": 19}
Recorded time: {"hour": 6, "minute": 53}
